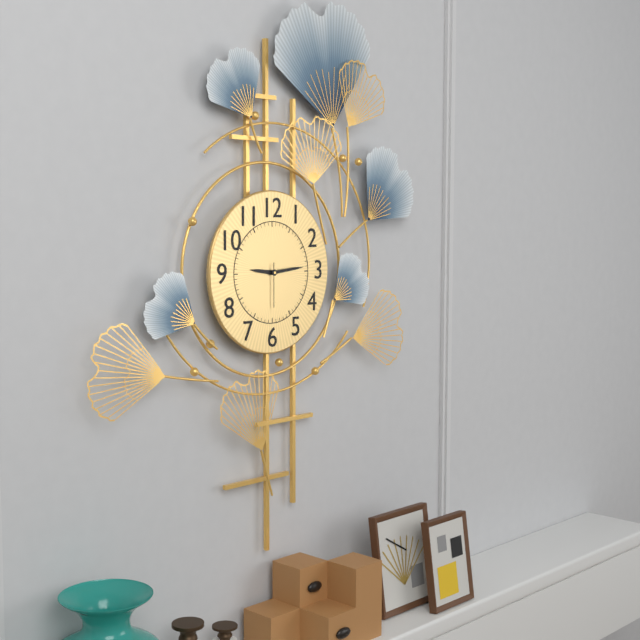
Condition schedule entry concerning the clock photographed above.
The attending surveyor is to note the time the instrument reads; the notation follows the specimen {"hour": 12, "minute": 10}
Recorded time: {"hour": 9, "minute": 14}
